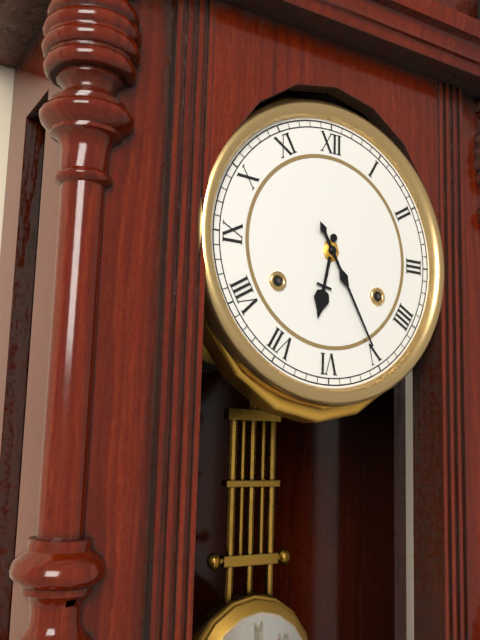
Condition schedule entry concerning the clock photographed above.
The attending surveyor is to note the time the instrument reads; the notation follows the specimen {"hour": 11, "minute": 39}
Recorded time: {"hour": 6, "minute": 25}
